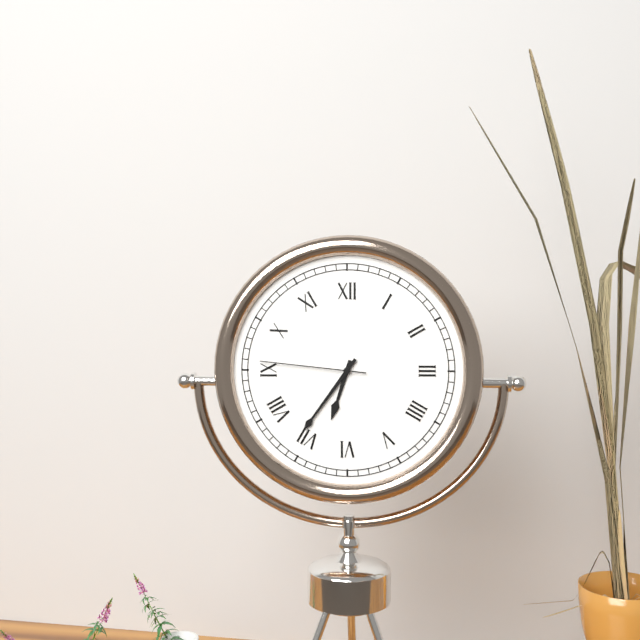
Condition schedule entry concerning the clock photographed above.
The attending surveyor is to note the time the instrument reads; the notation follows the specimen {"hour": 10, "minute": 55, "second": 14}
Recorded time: {"hour": 6, "minute": 36, "second": 46}
